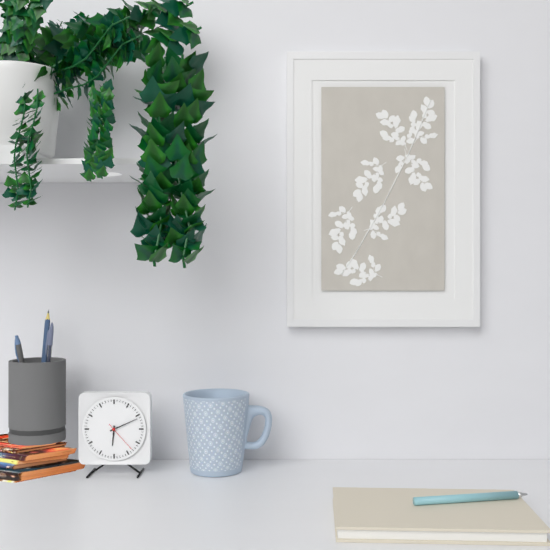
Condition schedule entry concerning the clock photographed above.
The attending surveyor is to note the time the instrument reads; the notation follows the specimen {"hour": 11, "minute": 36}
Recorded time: {"hour": 6, "minute": 11}
